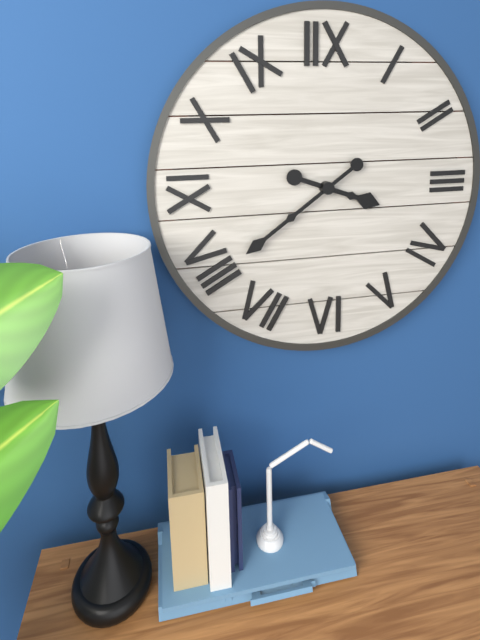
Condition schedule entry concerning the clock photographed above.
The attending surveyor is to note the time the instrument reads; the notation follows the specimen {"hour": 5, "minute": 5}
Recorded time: {"hour": 3, "minute": 39}
